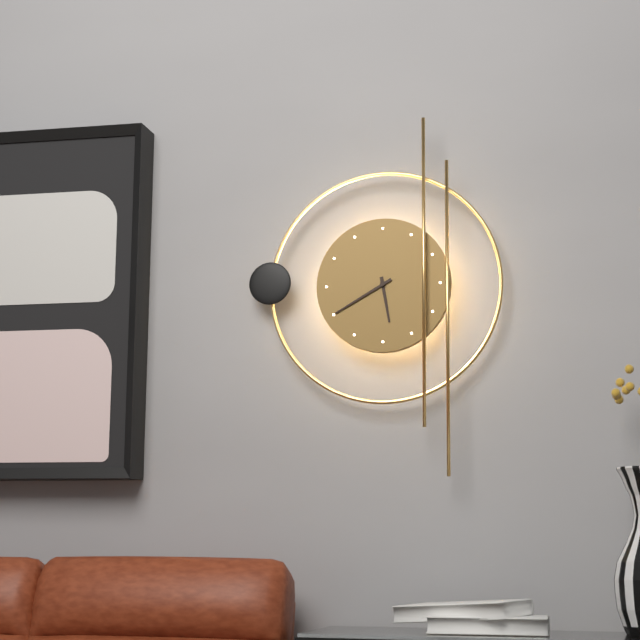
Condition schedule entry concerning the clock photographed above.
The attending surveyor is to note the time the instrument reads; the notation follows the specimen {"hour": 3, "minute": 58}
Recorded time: {"hour": 5, "minute": 40}
